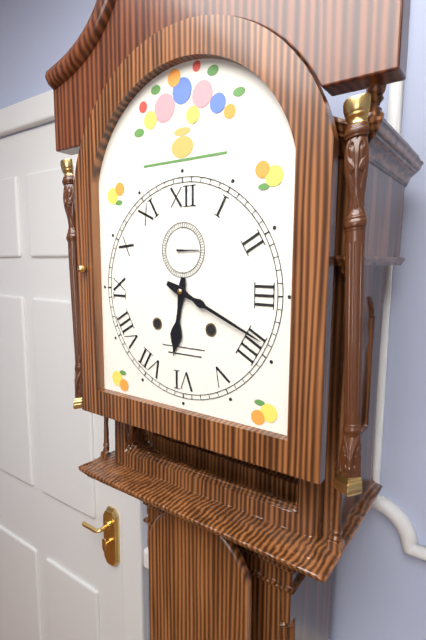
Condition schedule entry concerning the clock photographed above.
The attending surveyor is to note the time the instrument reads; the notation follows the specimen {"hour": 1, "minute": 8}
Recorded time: {"hour": 6, "minute": 19}
